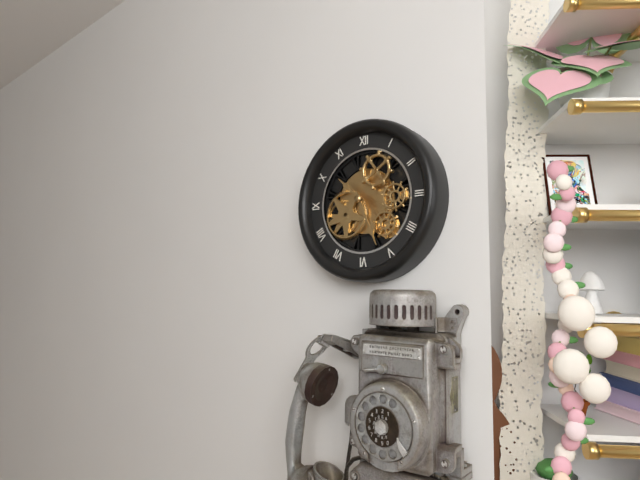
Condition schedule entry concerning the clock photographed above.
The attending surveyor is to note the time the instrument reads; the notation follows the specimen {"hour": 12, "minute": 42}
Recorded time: {"hour": 10, "minute": 26}
